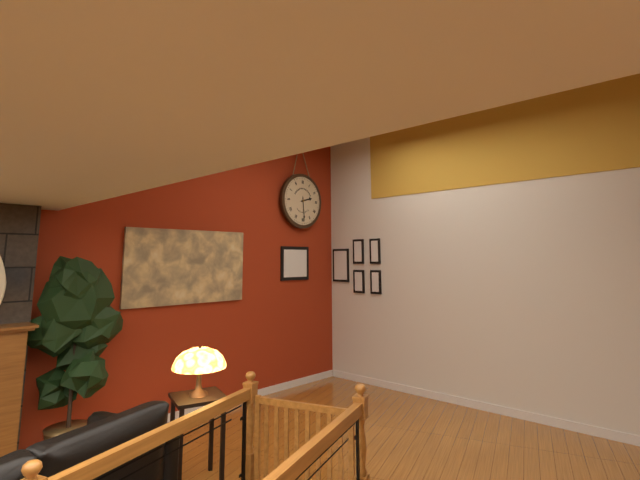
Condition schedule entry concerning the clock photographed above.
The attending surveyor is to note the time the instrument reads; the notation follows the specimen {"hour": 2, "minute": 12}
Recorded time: {"hour": 2, "minute": 29}
